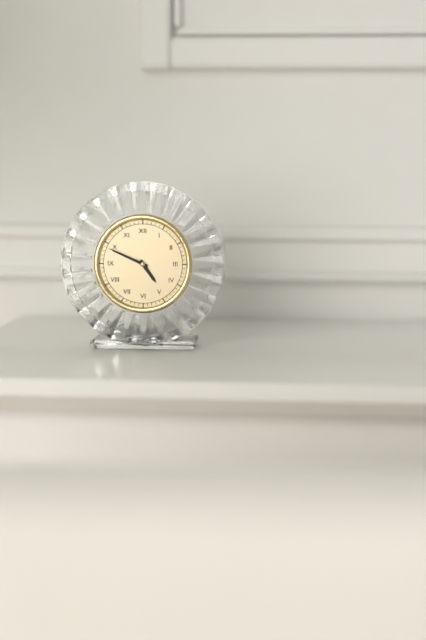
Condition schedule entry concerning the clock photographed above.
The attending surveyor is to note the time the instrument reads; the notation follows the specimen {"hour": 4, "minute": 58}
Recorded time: {"hour": 4, "minute": 49}
